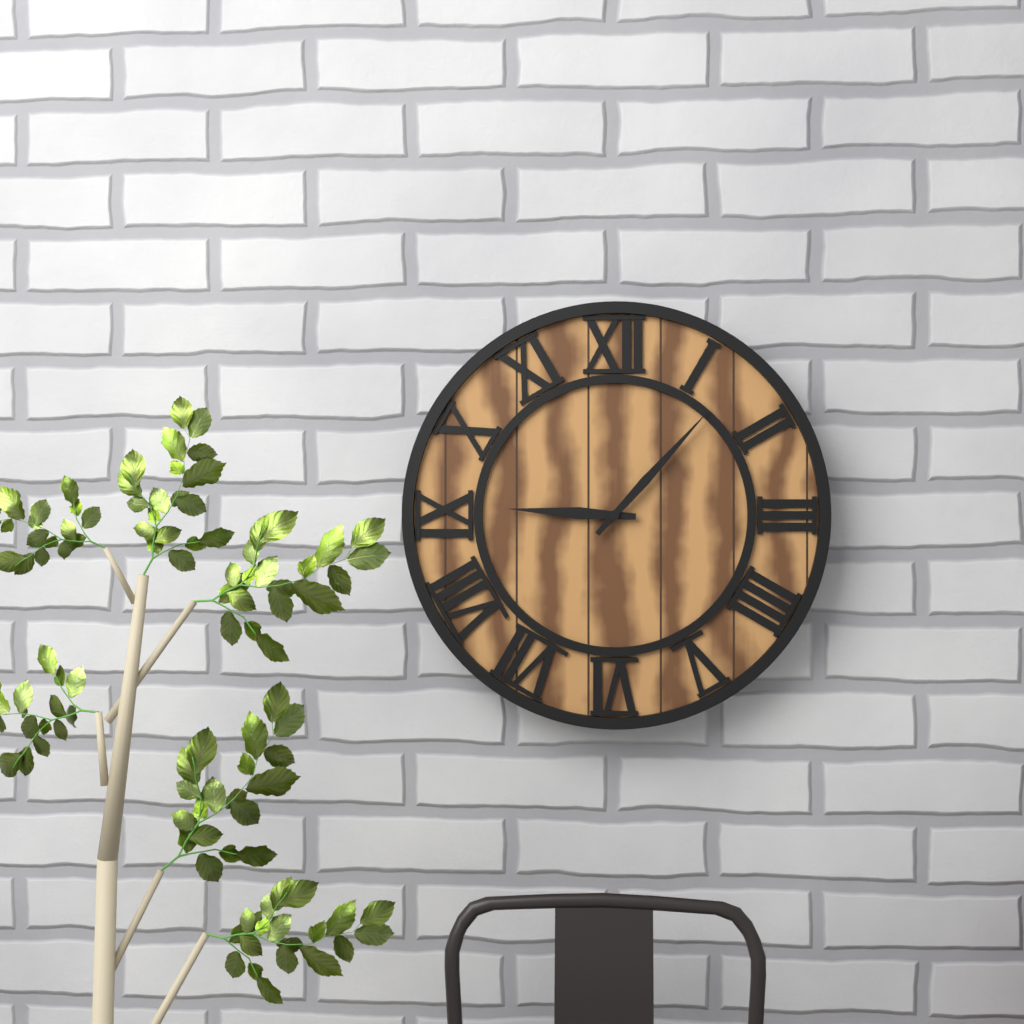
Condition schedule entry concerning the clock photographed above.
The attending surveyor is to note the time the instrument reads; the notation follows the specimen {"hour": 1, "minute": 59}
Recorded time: {"hour": 9, "minute": 7}
